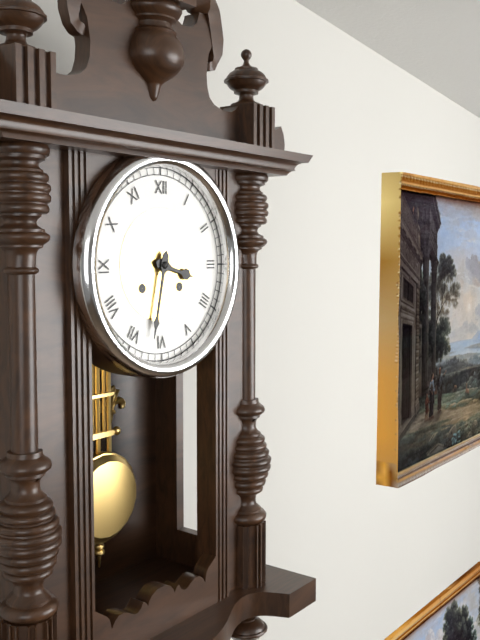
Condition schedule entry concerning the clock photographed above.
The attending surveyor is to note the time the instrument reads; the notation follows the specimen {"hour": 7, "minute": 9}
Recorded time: {"hour": 3, "minute": 32}
